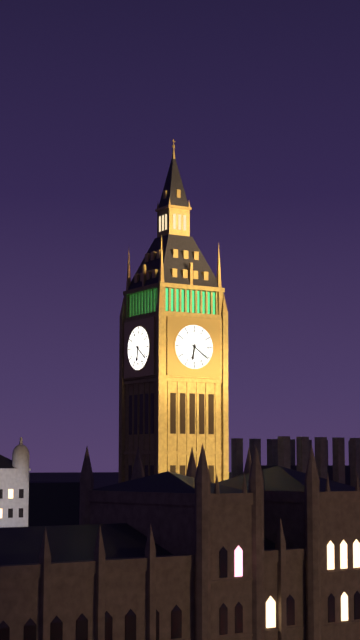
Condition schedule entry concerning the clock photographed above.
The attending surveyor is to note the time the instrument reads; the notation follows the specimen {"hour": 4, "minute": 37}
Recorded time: {"hour": 6, "minute": 21}
